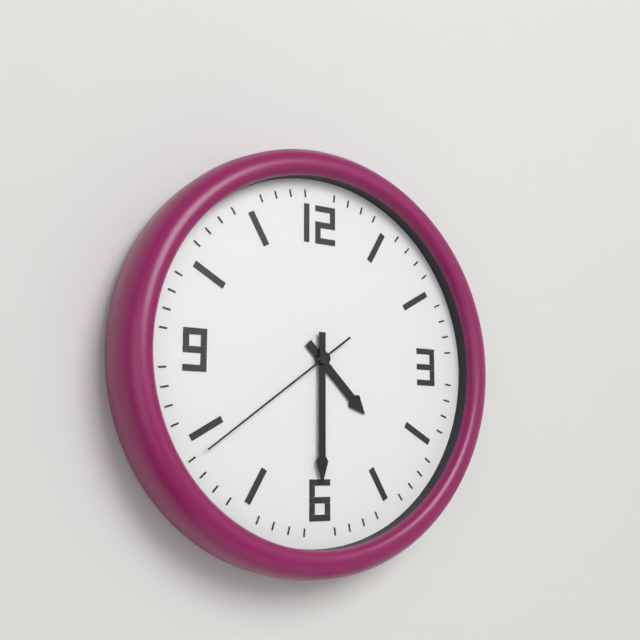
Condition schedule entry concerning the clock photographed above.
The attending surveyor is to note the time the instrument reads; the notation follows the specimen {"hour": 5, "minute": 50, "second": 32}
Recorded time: {"hour": 4, "minute": 30, "second": 39}
